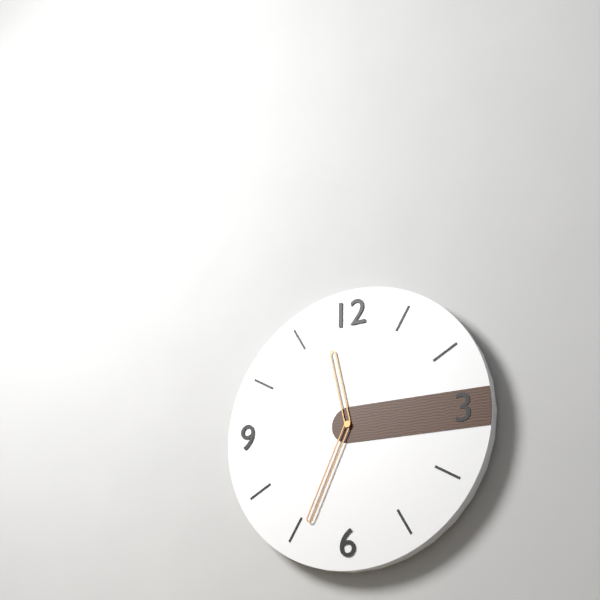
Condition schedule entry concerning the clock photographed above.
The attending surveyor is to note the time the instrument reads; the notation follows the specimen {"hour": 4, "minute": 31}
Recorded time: {"hour": 11, "minute": 34}
